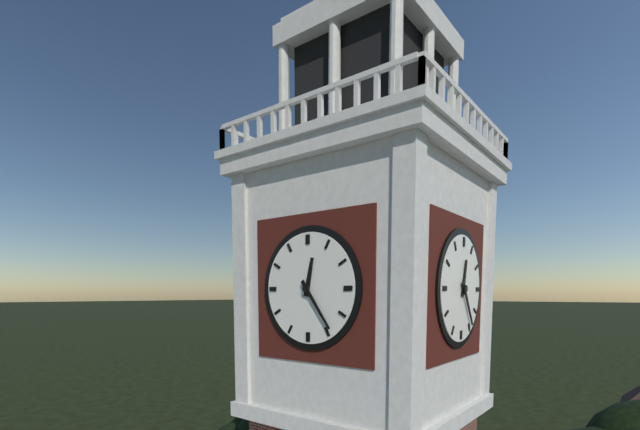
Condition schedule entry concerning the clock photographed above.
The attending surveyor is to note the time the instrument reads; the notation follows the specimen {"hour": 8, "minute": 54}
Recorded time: {"hour": 12, "minute": 24}
